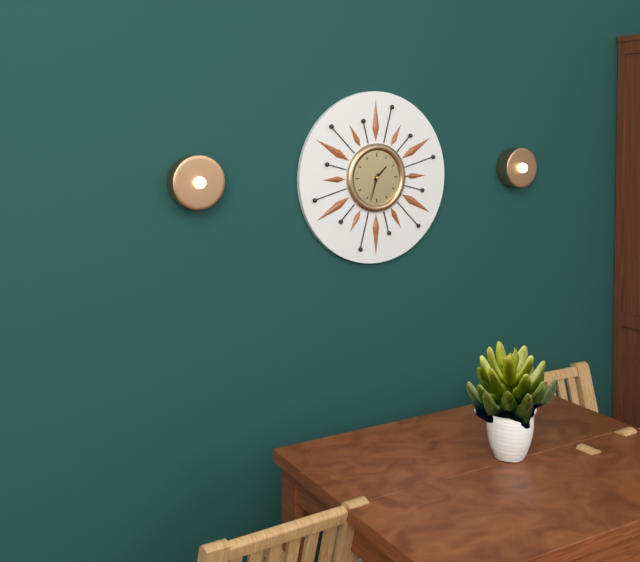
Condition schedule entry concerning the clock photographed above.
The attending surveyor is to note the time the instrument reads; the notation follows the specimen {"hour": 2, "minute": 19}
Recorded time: {"hour": 1, "minute": 33}
